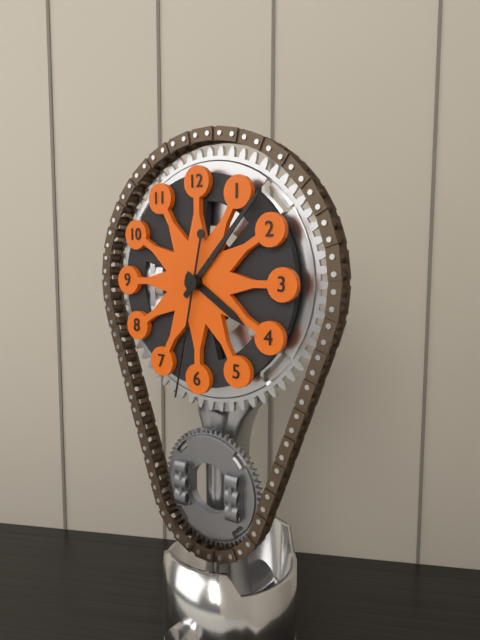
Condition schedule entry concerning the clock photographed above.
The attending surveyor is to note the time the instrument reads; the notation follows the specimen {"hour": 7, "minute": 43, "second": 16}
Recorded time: {"hour": 4, "minute": 7, "second": 32}
